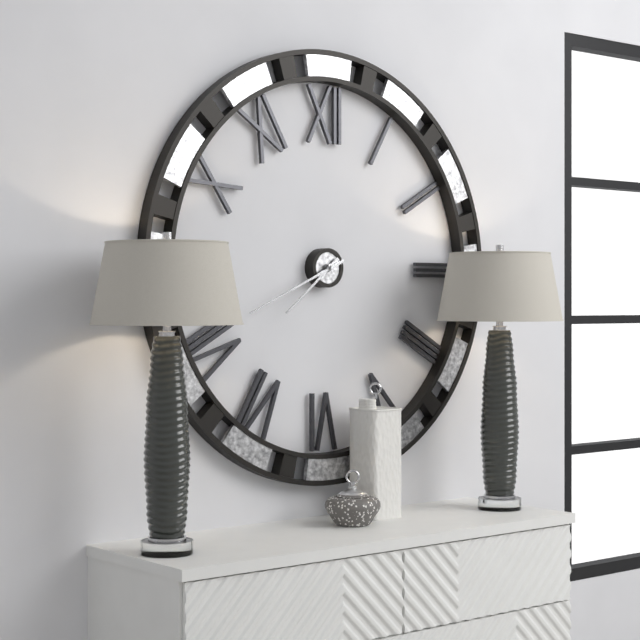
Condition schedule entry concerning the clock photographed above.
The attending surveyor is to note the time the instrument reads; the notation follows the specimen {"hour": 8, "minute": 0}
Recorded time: {"hour": 7, "minute": 41}
